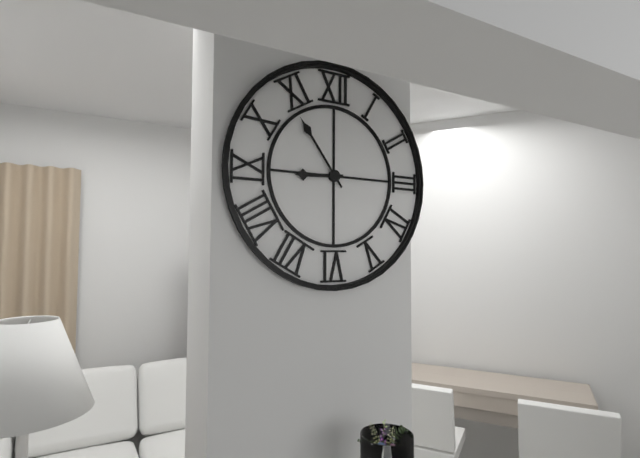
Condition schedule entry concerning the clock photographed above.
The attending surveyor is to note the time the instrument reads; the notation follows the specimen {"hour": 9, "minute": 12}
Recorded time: {"hour": 8, "minute": 54}
